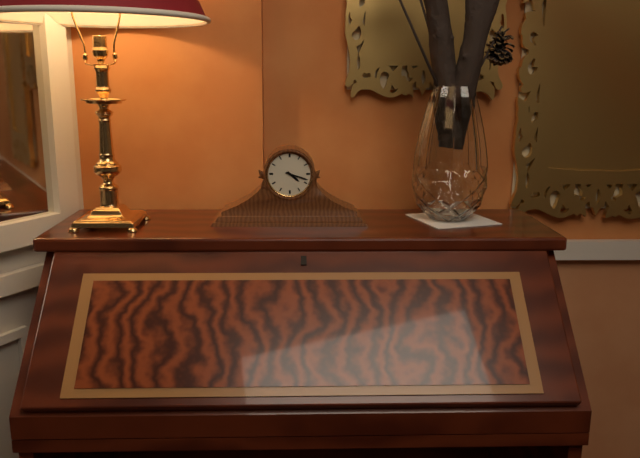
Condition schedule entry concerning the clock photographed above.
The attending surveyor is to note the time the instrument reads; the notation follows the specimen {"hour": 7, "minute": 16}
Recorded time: {"hour": 4, "minute": 18}
